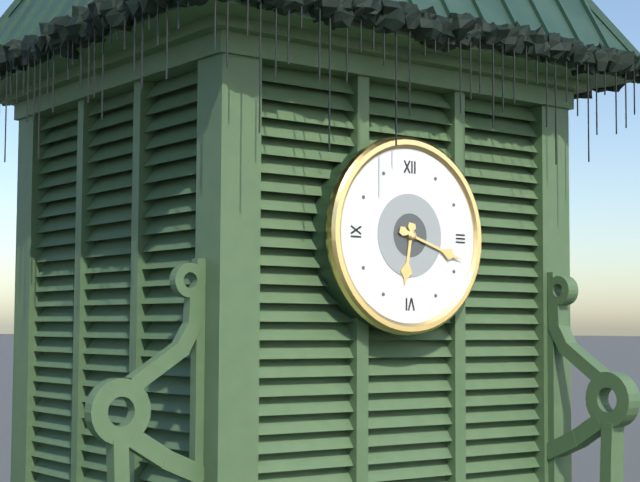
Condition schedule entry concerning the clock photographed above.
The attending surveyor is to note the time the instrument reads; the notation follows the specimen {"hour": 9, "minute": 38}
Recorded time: {"hour": 6, "minute": 18}
